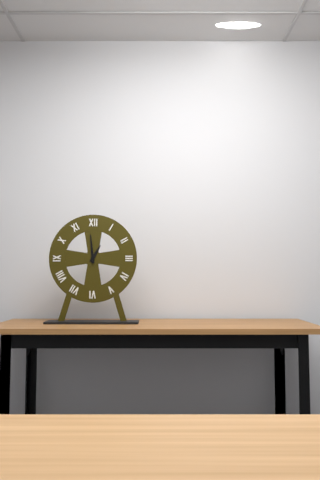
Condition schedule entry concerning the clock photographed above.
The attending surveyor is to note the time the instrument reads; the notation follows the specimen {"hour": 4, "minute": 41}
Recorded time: {"hour": 12, "minute": 59}
